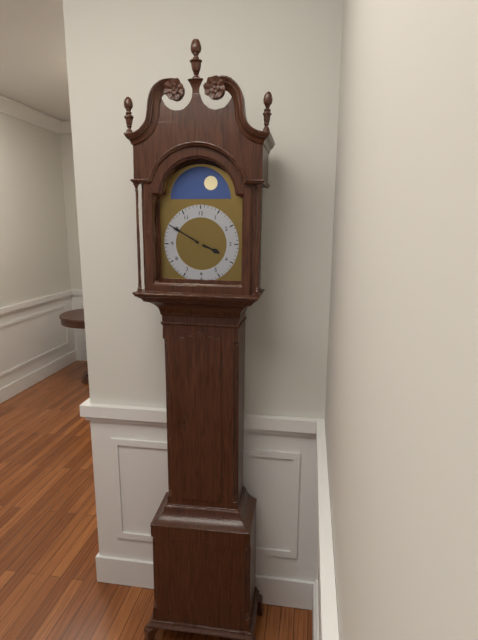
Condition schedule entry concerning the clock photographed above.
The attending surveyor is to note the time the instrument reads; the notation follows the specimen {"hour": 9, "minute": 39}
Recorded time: {"hour": 3, "minute": 50}
